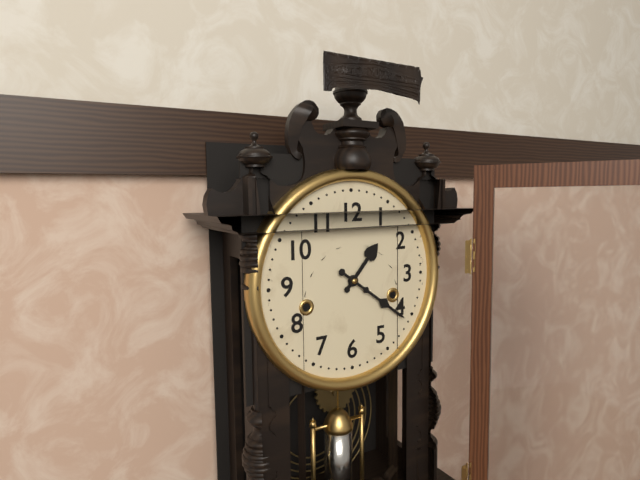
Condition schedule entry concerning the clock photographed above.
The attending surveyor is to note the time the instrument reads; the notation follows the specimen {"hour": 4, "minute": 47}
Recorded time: {"hour": 1, "minute": 21}
